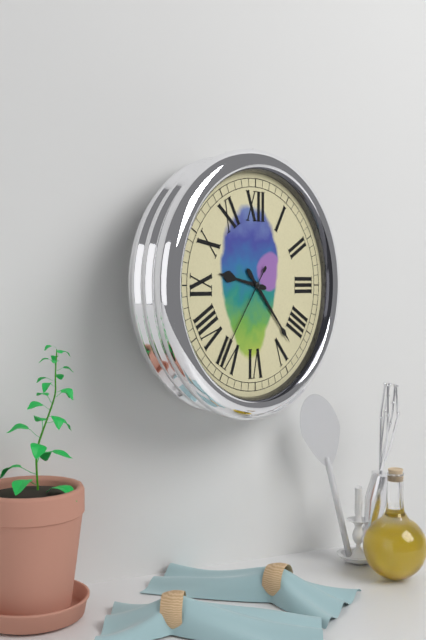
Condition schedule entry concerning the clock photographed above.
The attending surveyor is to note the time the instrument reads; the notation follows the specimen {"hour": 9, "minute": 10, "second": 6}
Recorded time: {"hour": 9, "minute": 23, "second": 36}
